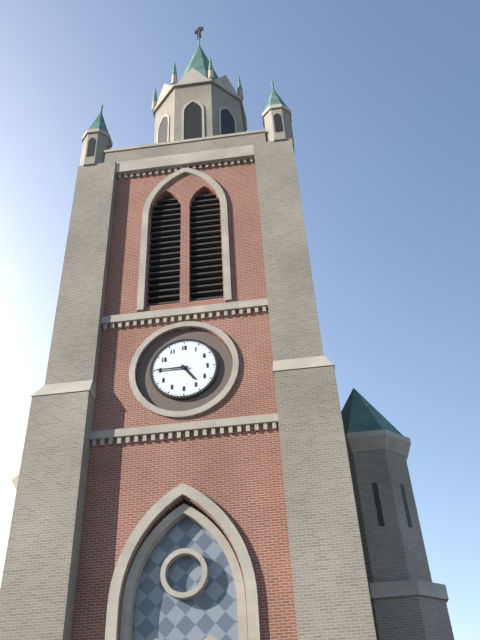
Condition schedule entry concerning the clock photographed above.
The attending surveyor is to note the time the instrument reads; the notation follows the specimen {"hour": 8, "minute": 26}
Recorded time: {"hour": 4, "minute": 45}
